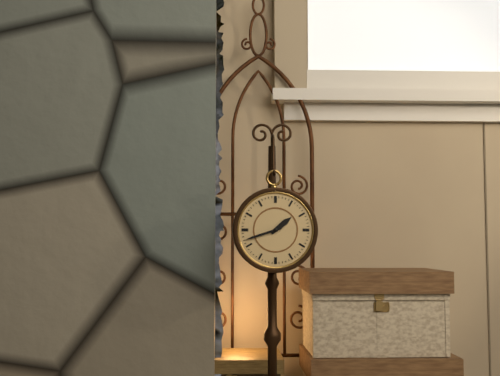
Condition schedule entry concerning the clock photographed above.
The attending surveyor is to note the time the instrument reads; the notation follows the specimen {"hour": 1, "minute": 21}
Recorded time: {"hour": 1, "minute": 42}
